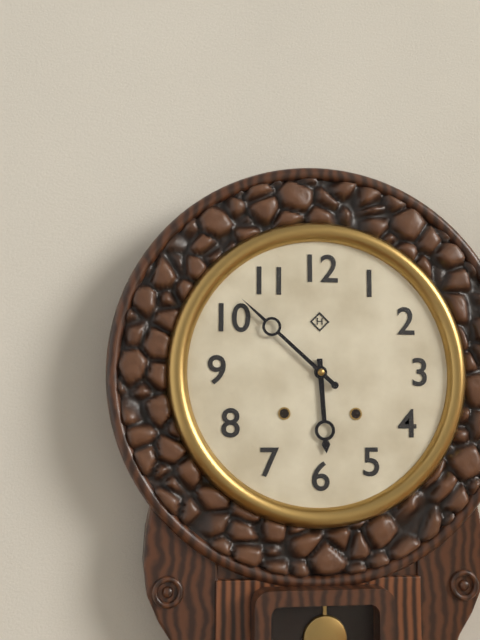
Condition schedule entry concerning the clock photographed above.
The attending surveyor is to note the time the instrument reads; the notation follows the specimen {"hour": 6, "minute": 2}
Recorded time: {"hour": 5, "minute": 52}
